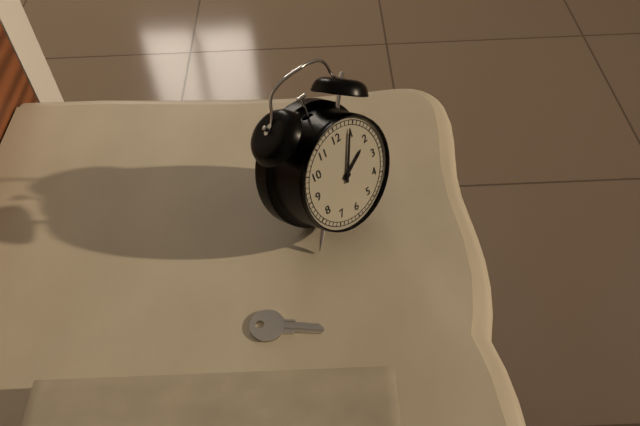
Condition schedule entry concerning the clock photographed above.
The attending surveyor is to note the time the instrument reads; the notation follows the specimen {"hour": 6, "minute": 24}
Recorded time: {"hour": 2, "minute": 4}
